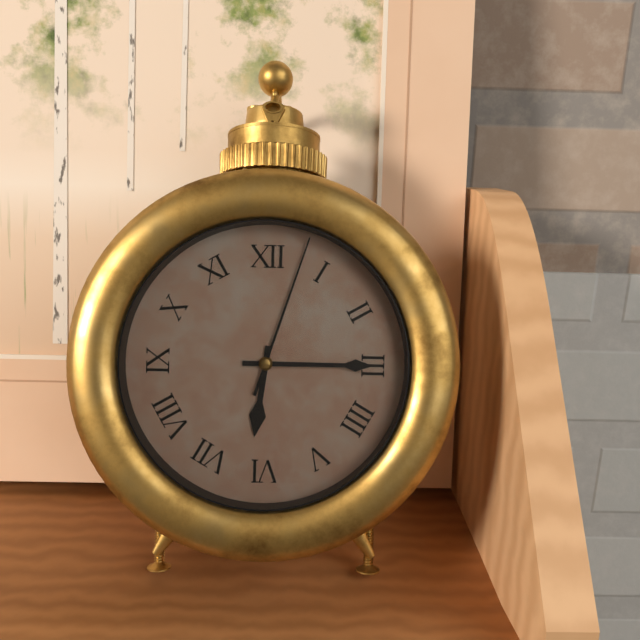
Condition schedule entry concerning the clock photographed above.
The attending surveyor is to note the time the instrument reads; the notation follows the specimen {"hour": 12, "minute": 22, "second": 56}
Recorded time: {"hour": 6, "minute": 15, "second": 3}
